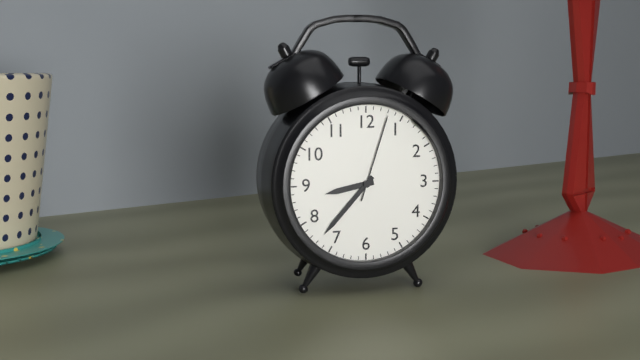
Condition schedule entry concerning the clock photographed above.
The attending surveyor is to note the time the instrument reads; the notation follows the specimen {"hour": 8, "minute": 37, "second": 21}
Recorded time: {"hour": 8, "minute": 37, "second": 3}
